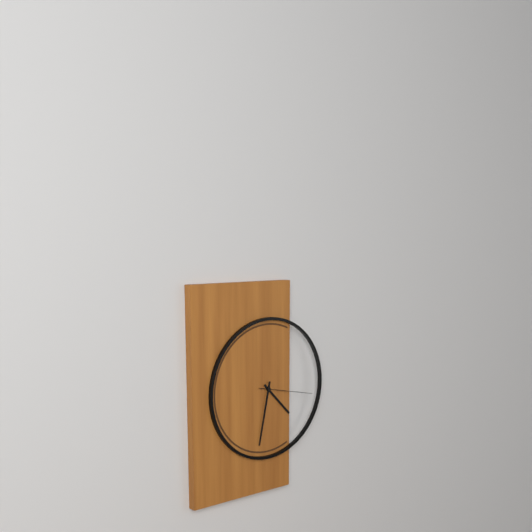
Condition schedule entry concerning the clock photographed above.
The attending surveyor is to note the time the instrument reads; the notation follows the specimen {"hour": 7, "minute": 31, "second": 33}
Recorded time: {"hour": 4, "minute": 32, "second": 17}
